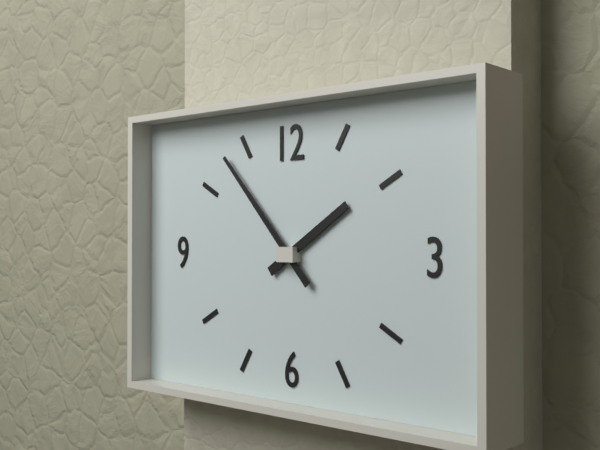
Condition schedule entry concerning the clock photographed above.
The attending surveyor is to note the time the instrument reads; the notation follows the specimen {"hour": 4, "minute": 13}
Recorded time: {"hour": 1, "minute": 53}
